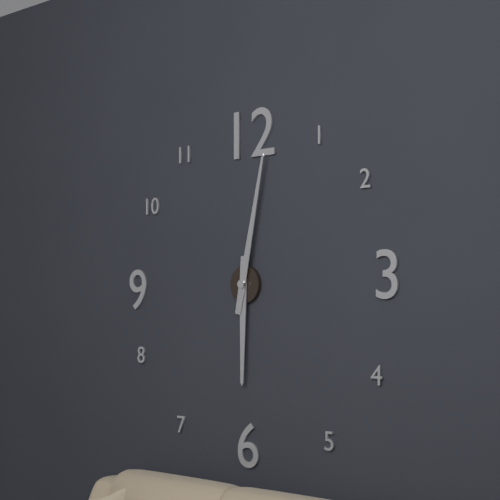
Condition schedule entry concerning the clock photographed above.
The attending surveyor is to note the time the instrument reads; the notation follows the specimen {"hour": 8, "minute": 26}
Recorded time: {"hour": 6, "minute": 2}
